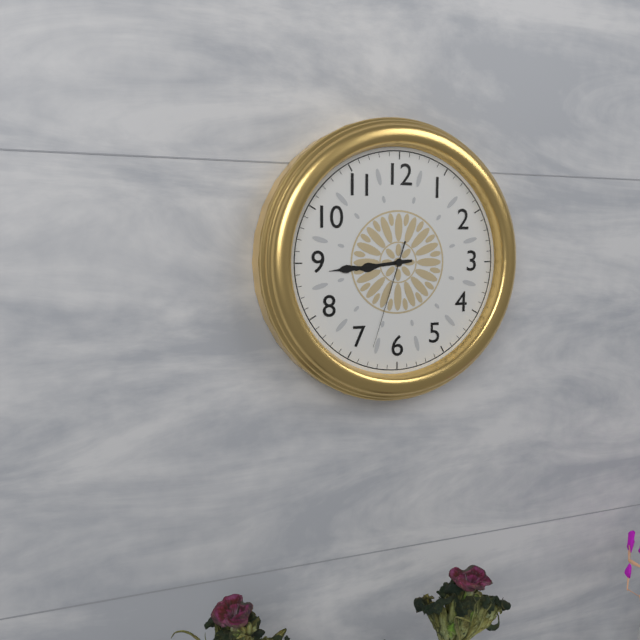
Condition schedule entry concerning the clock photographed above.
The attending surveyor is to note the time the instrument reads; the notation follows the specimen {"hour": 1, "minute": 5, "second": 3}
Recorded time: {"hour": 8, "minute": 44, "second": 33}
